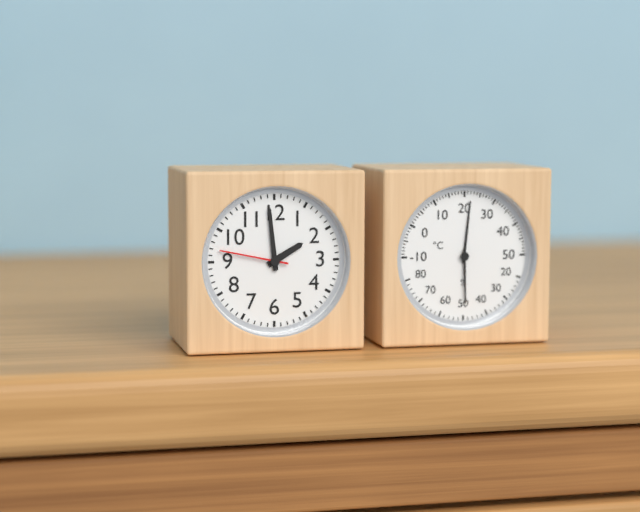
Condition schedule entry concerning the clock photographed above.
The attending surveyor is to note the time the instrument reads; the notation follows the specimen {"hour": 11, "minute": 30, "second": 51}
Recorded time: {"hour": 1, "minute": 59, "second": 47}
